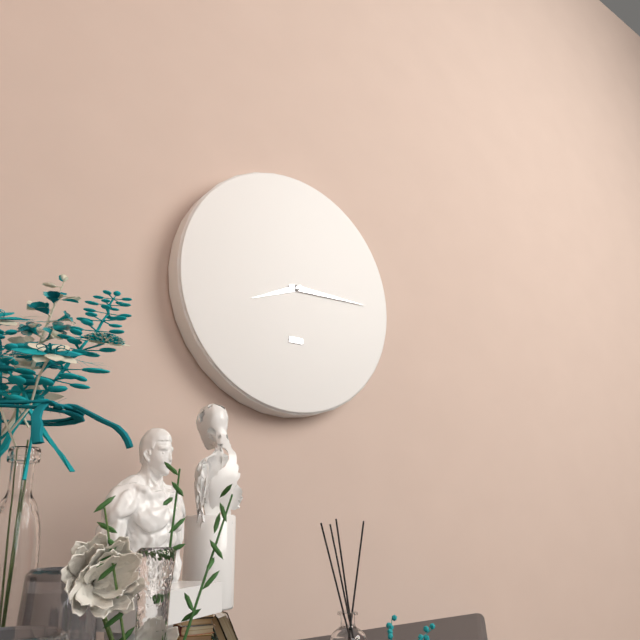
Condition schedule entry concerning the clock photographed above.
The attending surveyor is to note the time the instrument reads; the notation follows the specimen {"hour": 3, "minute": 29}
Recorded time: {"hour": 8, "minute": 15}
